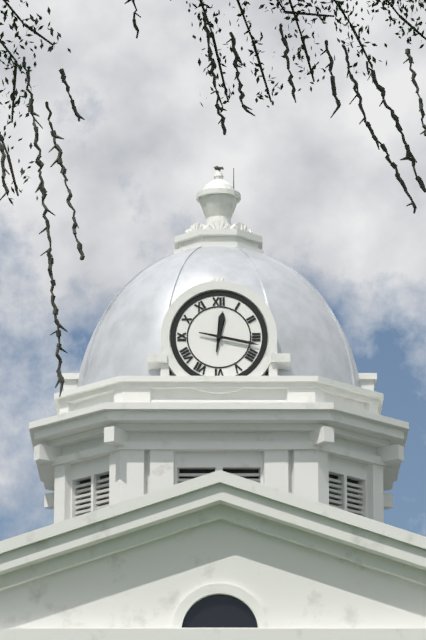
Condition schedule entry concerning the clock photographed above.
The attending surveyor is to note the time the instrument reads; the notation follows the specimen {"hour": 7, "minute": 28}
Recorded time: {"hour": 12, "minute": 17}
